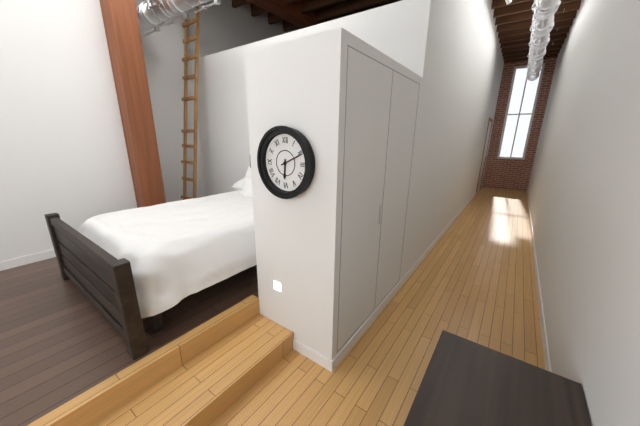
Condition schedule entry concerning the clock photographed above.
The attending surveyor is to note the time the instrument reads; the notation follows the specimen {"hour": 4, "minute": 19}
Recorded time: {"hour": 6, "minute": 11}
